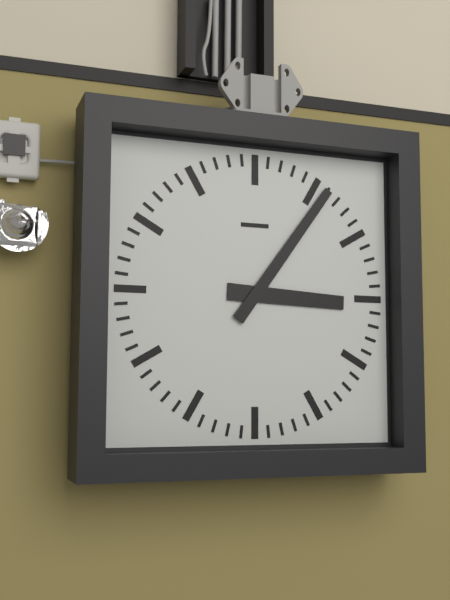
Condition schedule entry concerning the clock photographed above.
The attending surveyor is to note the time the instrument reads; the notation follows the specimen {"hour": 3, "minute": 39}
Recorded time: {"hour": 3, "minute": 6}
